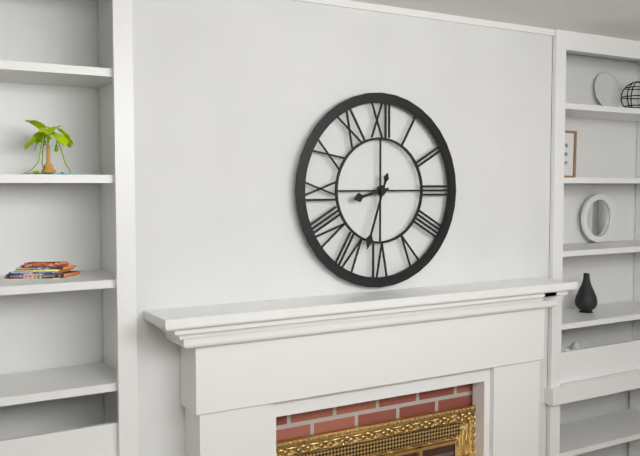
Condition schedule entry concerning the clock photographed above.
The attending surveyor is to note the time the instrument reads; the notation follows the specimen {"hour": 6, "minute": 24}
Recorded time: {"hour": 8, "minute": 33}
